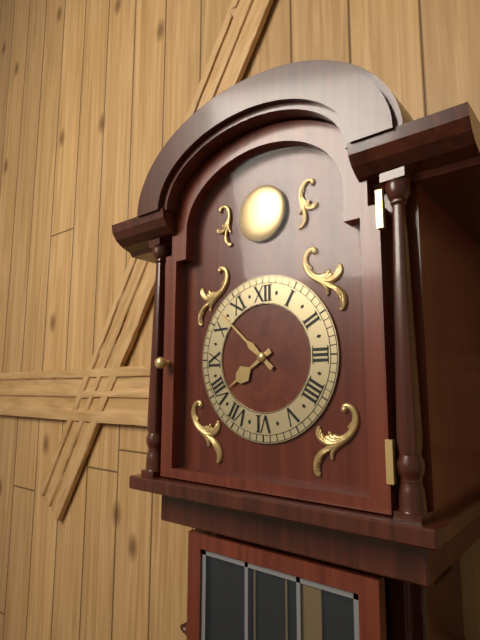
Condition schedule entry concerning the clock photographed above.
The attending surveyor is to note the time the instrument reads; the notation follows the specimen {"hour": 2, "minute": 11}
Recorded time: {"hour": 7, "minute": 52}
